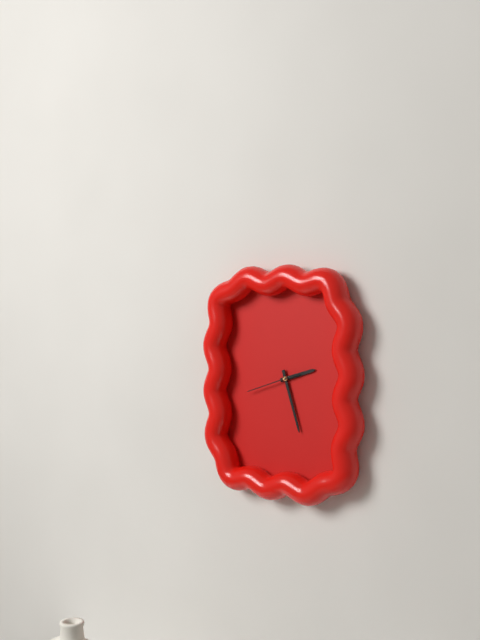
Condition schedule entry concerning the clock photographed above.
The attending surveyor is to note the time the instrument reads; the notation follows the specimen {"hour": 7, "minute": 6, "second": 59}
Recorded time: {"hour": 2, "minute": 27, "second": 42}
